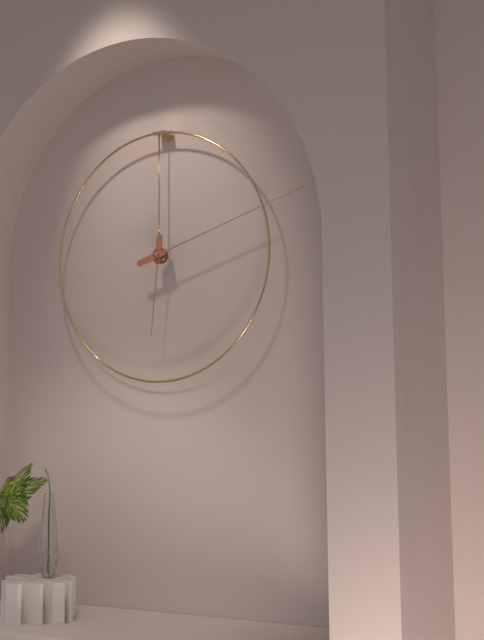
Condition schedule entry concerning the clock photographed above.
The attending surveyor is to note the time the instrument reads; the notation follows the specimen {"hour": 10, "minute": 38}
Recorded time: {"hour": 6, "minute": 12}
